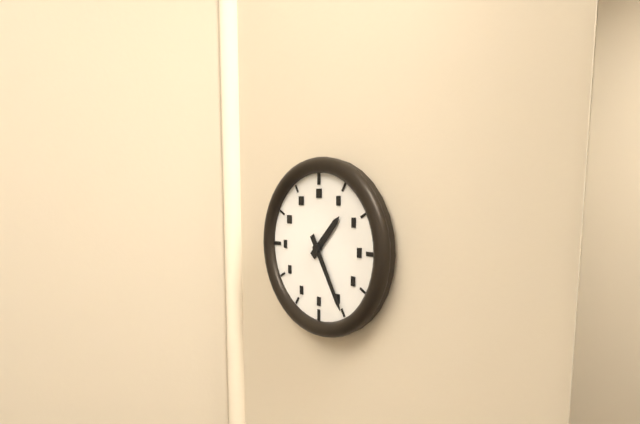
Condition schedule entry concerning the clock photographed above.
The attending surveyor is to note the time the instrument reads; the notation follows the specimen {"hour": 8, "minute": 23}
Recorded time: {"hour": 1, "minute": 25}
